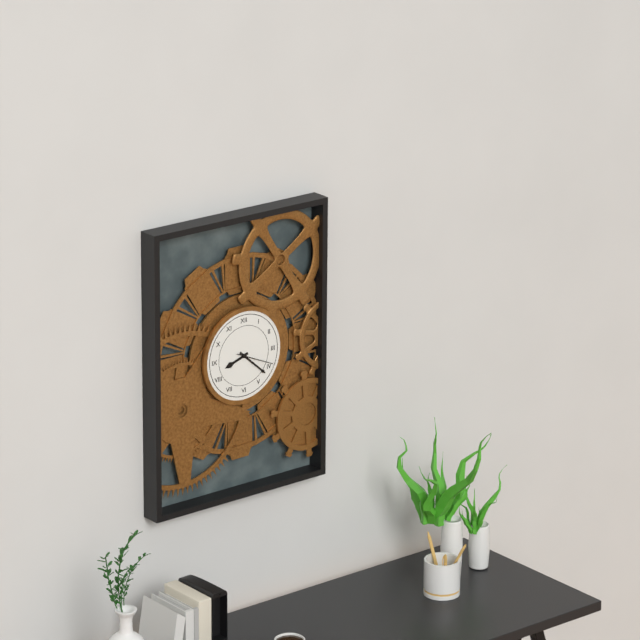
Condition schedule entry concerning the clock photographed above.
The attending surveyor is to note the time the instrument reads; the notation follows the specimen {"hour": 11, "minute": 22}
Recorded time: {"hour": 8, "minute": 22}
